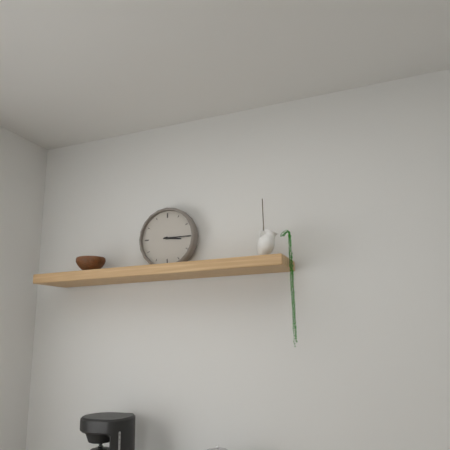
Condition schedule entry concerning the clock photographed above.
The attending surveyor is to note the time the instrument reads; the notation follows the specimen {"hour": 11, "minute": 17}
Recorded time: {"hour": 3, "minute": 15}
